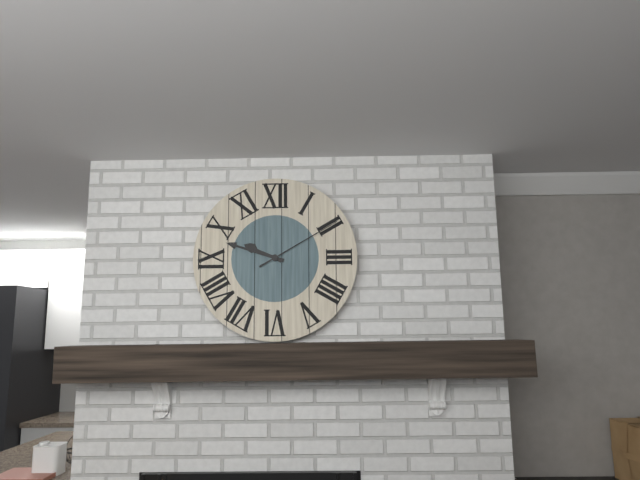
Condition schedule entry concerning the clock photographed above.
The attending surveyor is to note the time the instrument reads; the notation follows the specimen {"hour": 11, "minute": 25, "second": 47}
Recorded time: {"hour": 9, "minute": 48, "second": 10}
